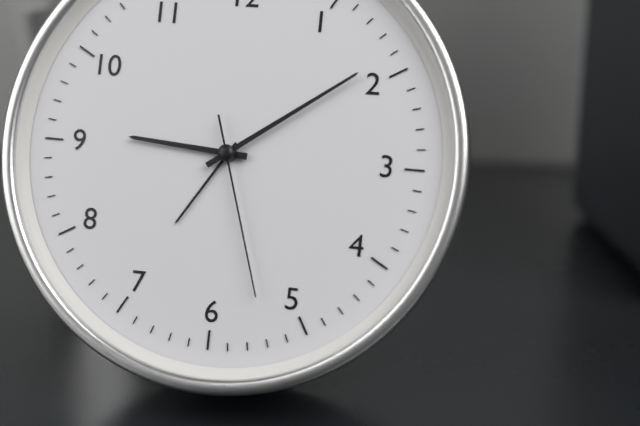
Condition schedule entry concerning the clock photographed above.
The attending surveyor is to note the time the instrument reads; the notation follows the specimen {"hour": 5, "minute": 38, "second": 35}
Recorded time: {"hour": 9, "minute": 9, "second": 27}
